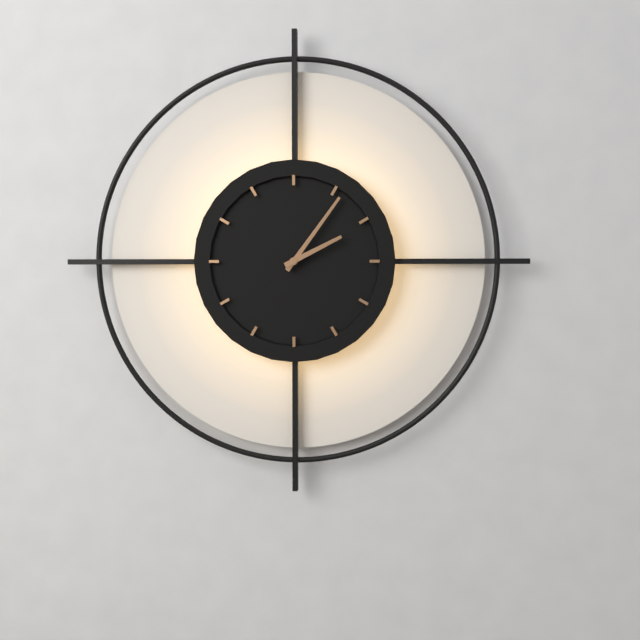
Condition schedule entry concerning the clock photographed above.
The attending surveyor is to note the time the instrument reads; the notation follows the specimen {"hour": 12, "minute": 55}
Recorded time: {"hour": 2, "minute": 6}
